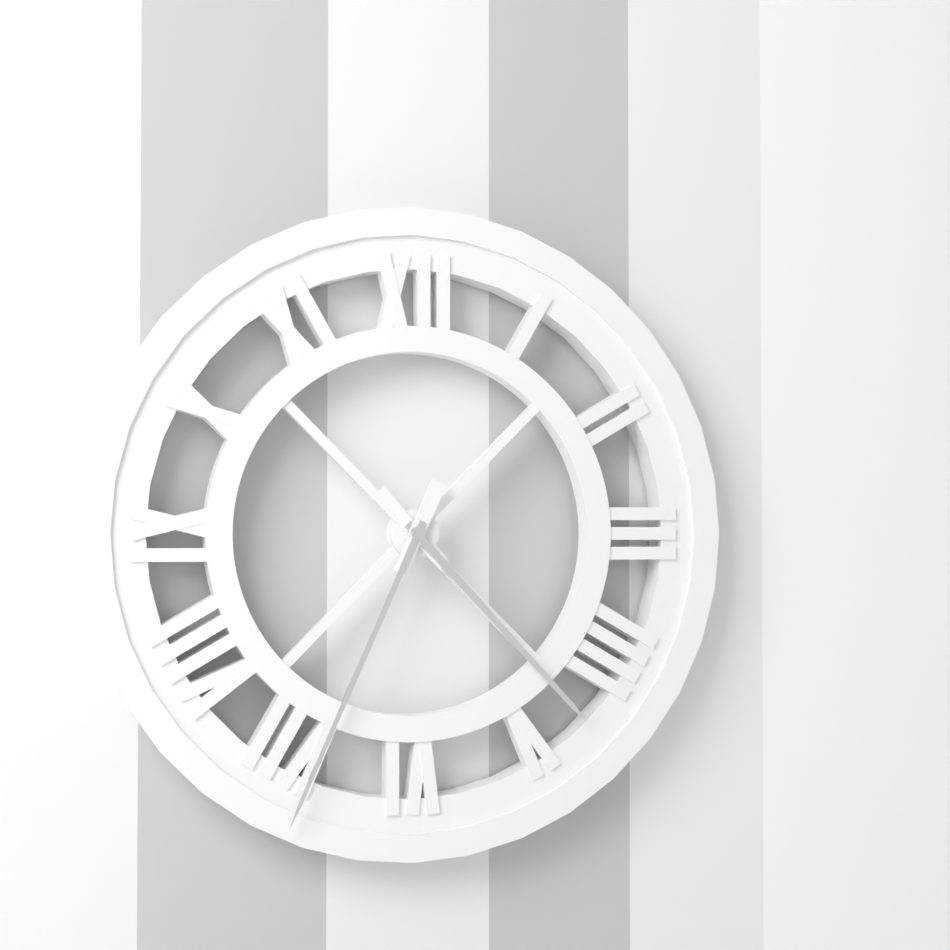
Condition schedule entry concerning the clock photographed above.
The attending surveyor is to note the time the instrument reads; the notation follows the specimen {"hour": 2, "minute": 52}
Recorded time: {"hour": 4, "minute": 34}
